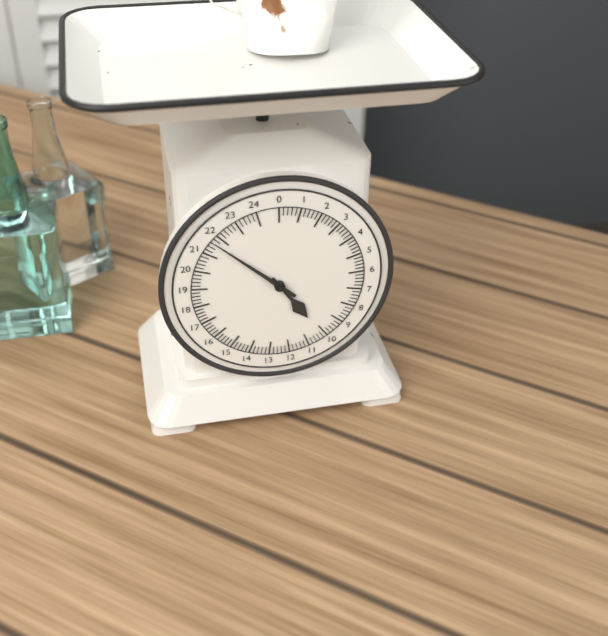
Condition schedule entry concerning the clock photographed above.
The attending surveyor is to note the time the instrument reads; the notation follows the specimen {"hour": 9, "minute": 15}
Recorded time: {"hour": 4, "minute": 52}
